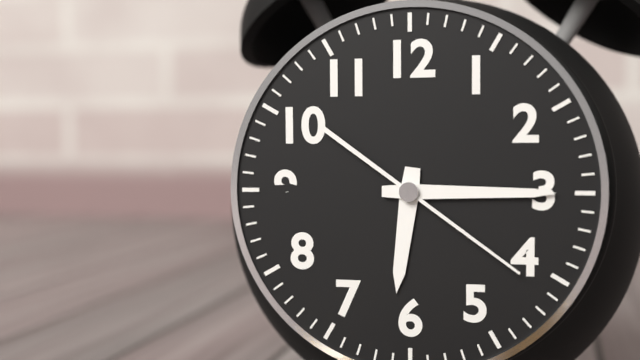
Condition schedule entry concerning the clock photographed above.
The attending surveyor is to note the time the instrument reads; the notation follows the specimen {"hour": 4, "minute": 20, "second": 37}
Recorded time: {"hour": 6, "minute": 15, "second": 21}
